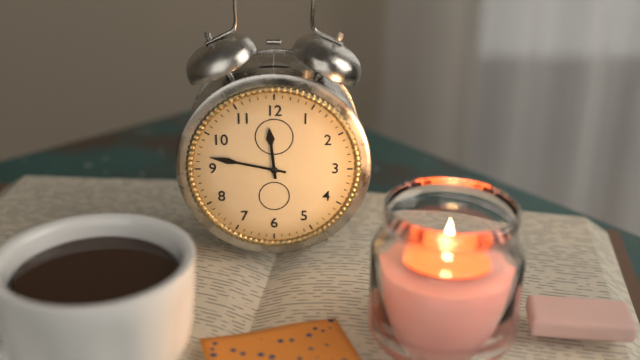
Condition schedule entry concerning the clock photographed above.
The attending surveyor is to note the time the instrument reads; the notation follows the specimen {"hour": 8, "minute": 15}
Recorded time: {"hour": 11, "minute": 47}
